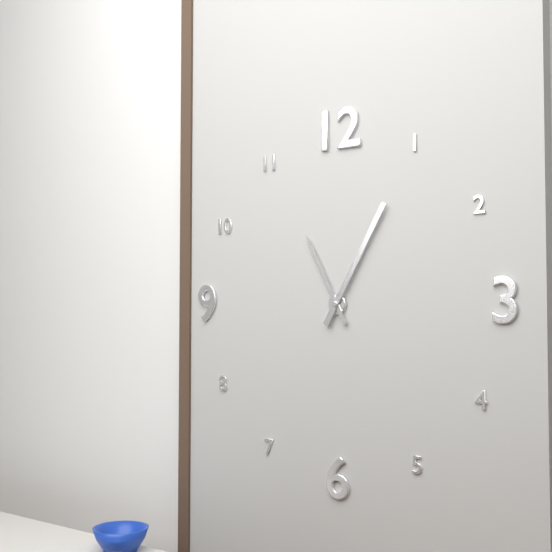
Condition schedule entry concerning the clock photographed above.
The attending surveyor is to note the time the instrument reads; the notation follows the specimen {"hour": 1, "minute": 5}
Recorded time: {"hour": 11, "minute": 5}
